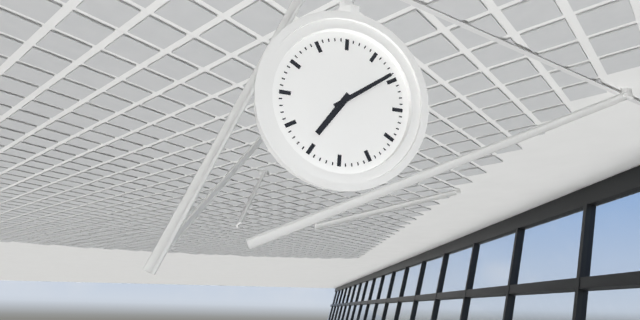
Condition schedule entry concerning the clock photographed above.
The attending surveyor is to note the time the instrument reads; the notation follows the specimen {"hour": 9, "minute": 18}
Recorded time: {"hour": 7, "minute": 9}
